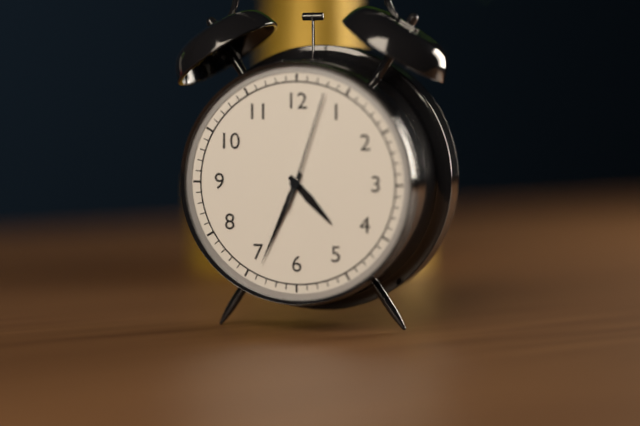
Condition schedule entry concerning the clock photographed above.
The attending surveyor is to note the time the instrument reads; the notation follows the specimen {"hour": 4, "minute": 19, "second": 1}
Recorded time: {"hour": 4, "minute": 34, "second": 3}
